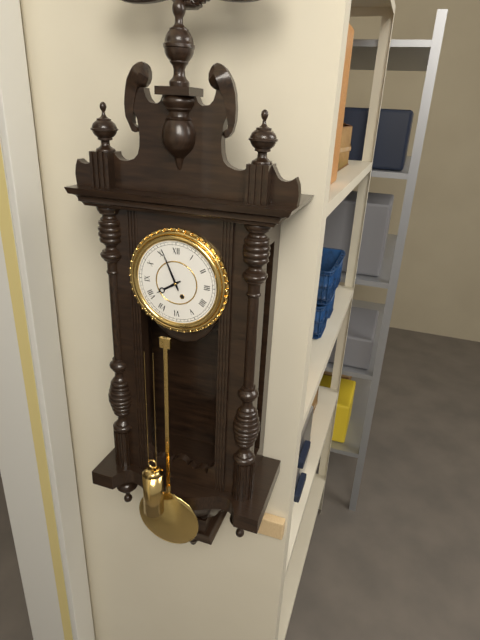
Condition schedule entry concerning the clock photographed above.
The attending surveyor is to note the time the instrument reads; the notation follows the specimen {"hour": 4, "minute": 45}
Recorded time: {"hour": 7, "minute": 56}
